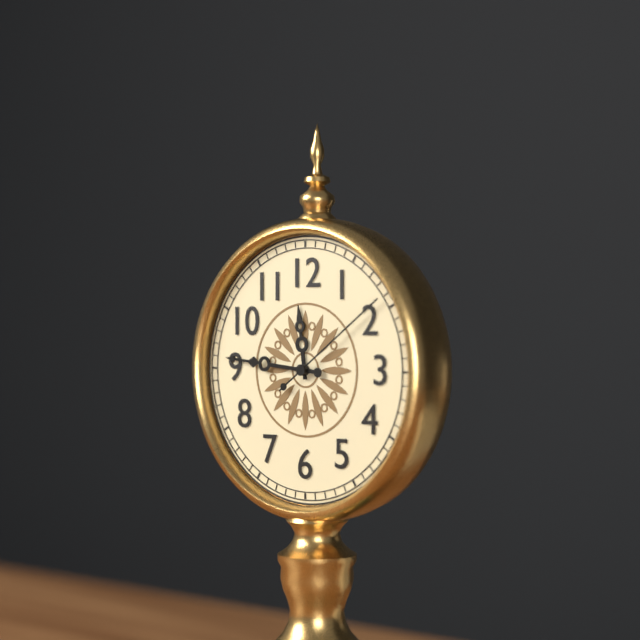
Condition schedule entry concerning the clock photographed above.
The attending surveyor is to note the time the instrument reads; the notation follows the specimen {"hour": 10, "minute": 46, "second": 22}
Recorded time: {"hour": 11, "minute": 46, "second": 9}
